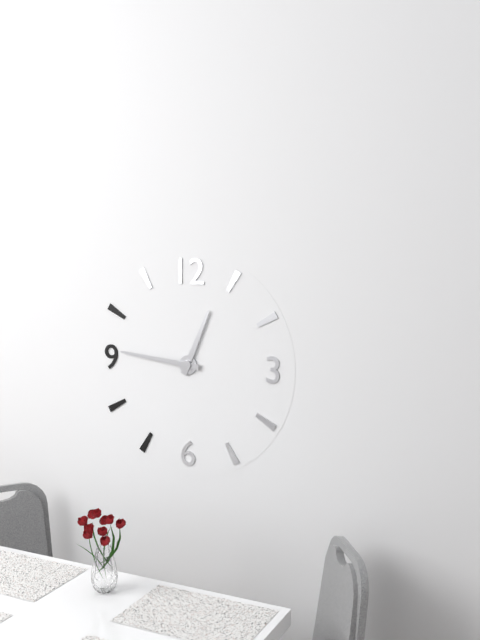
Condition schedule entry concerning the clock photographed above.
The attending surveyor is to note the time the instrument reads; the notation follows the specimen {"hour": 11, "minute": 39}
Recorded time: {"hour": 12, "minute": 46}
